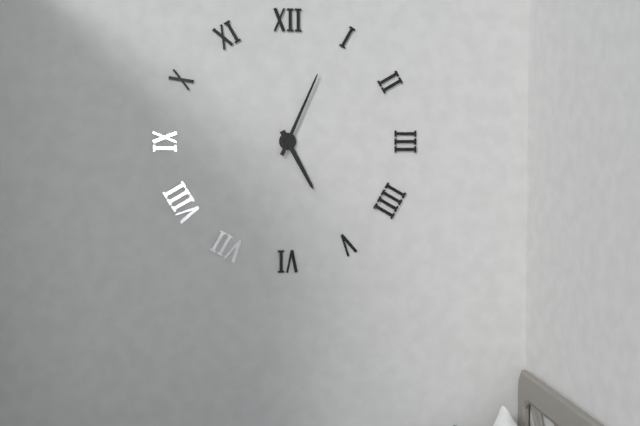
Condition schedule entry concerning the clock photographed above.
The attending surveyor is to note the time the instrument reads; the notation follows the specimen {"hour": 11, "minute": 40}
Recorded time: {"hour": 5, "minute": 4}
